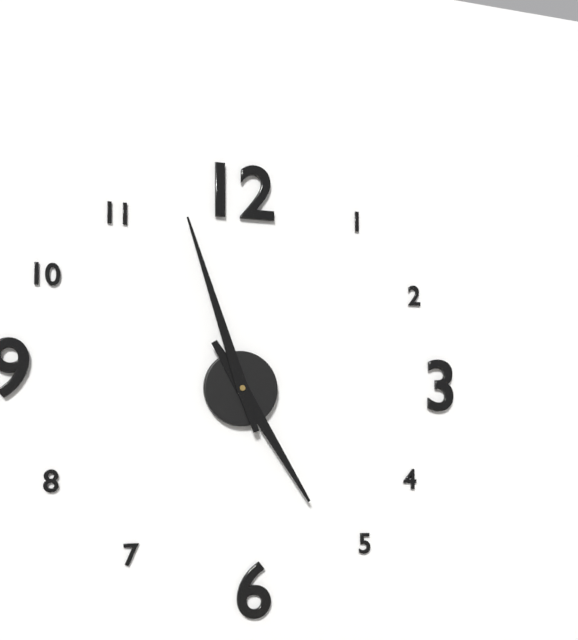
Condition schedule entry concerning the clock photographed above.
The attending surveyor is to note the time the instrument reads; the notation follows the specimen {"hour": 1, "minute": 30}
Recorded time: {"hour": 4, "minute": 57}
